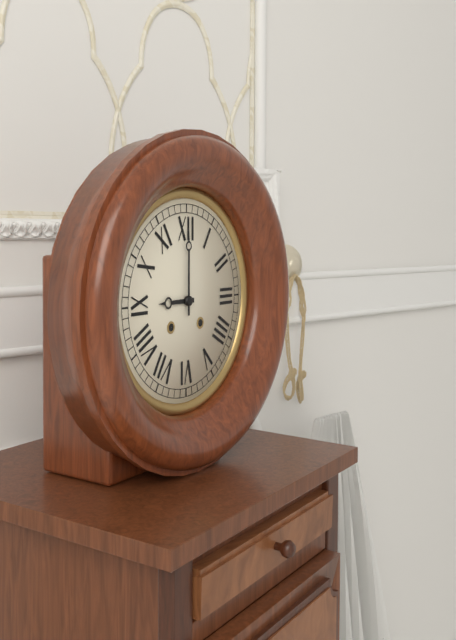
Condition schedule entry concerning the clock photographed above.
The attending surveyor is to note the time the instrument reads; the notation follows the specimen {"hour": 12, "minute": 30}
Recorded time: {"hour": 9, "minute": 0}
